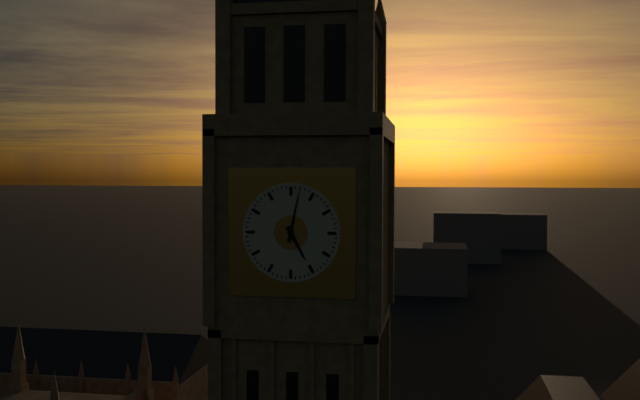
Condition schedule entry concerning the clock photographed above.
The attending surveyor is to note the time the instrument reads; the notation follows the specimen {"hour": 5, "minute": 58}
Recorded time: {"hour": 5, "minute": 2}
